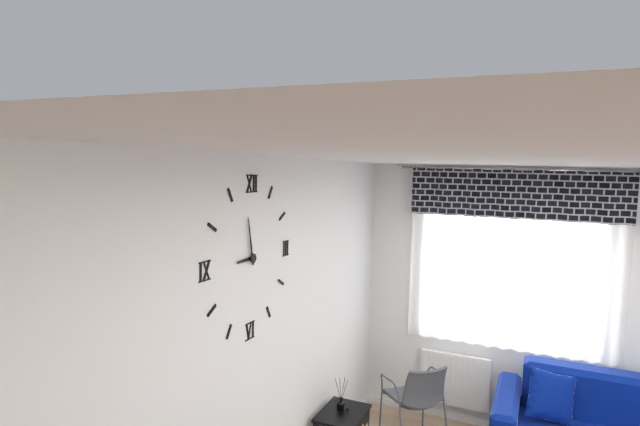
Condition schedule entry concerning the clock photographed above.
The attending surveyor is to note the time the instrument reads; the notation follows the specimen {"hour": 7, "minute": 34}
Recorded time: {"hour": 8, "minute": 58}
